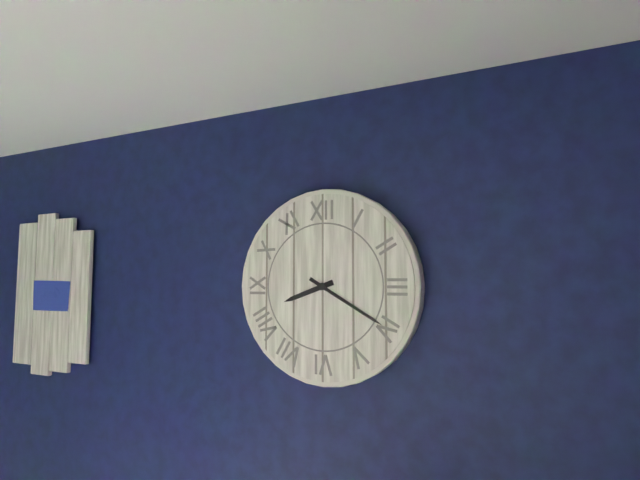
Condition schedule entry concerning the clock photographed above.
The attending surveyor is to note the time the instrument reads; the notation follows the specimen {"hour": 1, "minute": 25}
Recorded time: {"hour": 8, "minute": 20}
